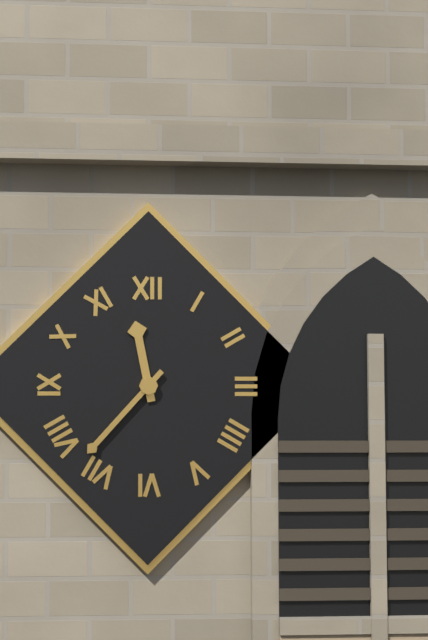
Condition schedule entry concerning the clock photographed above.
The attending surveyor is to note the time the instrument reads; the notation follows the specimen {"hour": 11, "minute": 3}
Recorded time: {"hour": 11, "minute": 37}
